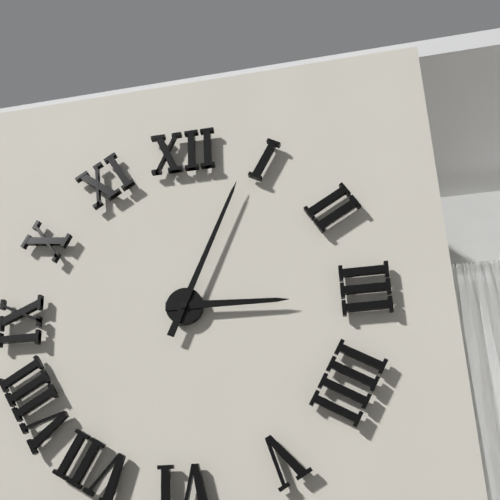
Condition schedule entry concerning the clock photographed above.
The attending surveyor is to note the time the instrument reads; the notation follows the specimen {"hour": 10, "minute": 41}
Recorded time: {"hour": 3, "minute": 4}
